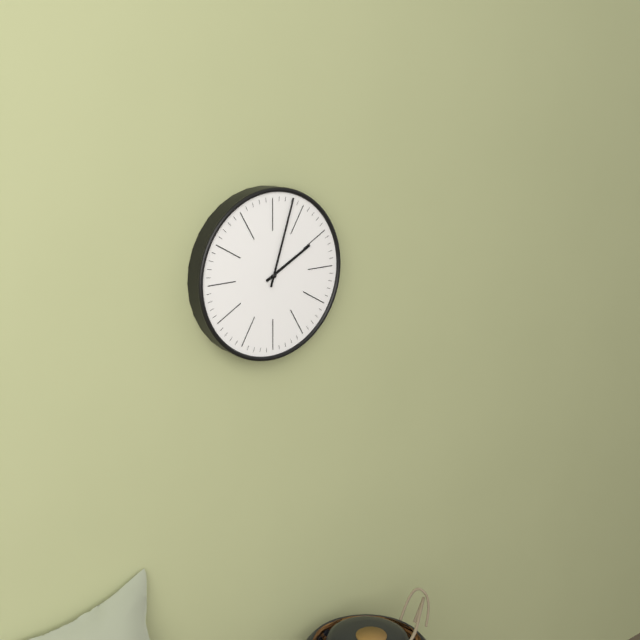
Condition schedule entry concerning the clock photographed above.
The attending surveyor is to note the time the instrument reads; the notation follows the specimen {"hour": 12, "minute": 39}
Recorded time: {"hour": 2, "minute": 3}
